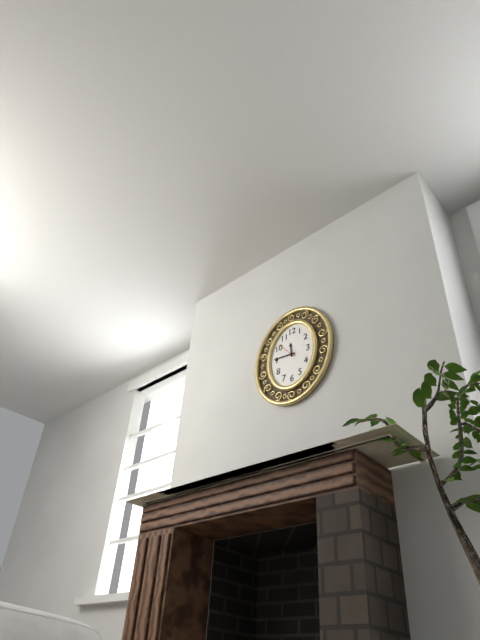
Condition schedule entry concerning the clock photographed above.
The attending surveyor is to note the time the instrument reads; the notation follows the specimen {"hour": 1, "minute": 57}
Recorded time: {"hour": 11, "minute": 46}
